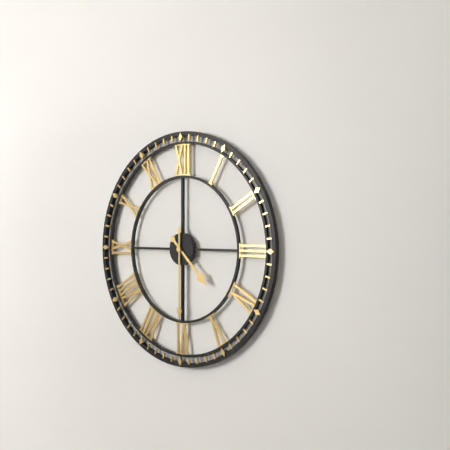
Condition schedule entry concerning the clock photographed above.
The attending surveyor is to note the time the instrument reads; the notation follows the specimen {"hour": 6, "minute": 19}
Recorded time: {"hour": 4, "minute": 30}
